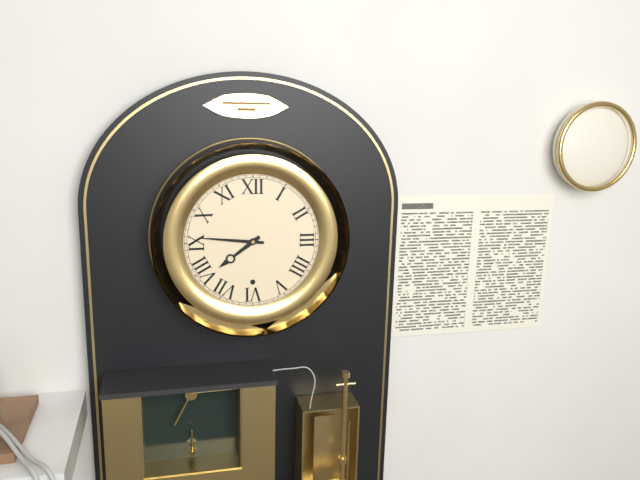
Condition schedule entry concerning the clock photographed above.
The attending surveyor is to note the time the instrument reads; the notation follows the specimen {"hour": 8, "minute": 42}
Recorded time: {"hour": 7, "minute": 46}
